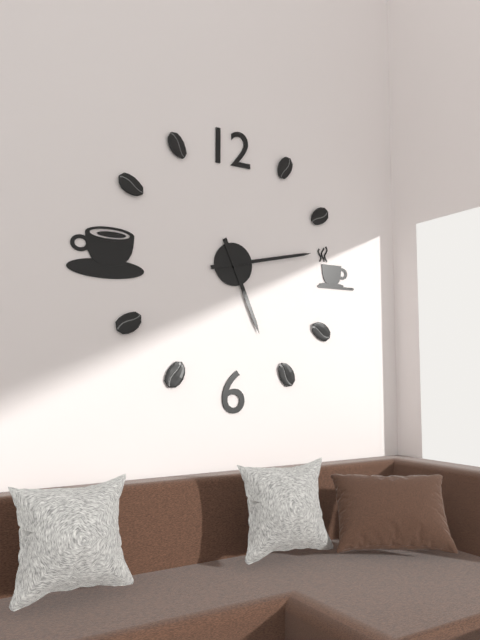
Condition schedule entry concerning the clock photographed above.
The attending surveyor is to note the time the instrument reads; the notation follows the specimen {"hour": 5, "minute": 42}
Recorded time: {"hour": 5, "minute": 13}
